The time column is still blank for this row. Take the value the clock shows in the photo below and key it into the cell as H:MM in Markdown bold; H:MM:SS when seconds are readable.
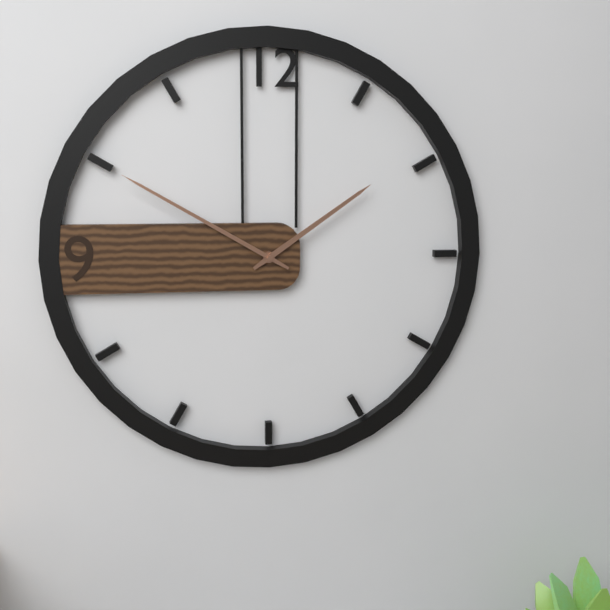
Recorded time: **1:50**
